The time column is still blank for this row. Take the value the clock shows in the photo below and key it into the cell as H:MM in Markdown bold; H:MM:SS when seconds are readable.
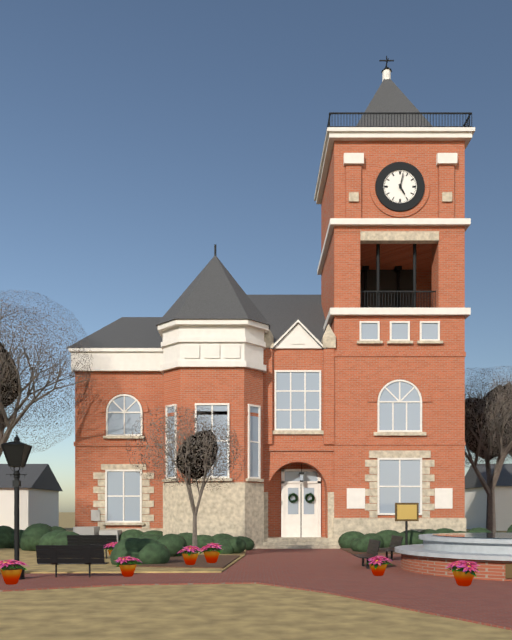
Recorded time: **5:02**
